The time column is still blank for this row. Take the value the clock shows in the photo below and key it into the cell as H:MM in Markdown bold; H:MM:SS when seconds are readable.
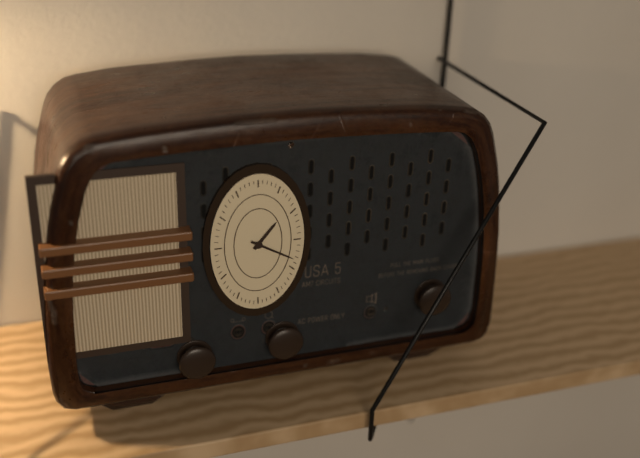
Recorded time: **1:20**
